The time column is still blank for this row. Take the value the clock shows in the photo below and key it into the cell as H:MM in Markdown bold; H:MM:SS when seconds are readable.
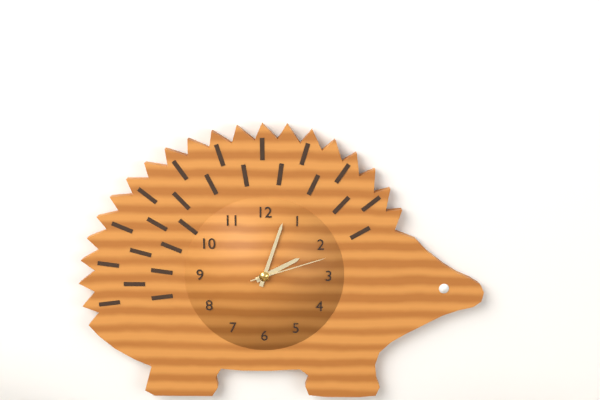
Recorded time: **2:03:12**
